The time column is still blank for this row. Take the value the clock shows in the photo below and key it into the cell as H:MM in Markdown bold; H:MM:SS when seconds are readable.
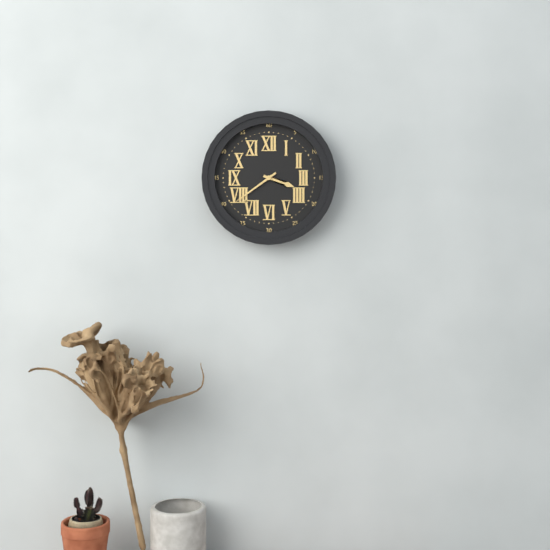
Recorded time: **3:39**
